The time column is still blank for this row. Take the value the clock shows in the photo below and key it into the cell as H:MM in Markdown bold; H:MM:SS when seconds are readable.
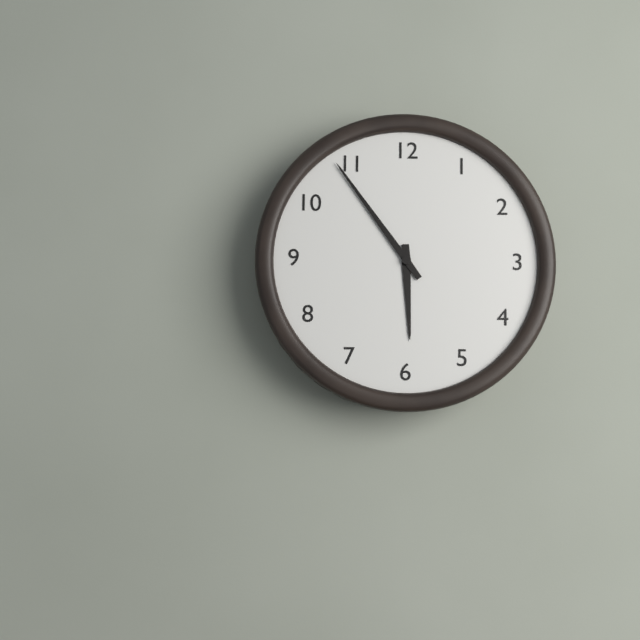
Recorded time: **5:54**
